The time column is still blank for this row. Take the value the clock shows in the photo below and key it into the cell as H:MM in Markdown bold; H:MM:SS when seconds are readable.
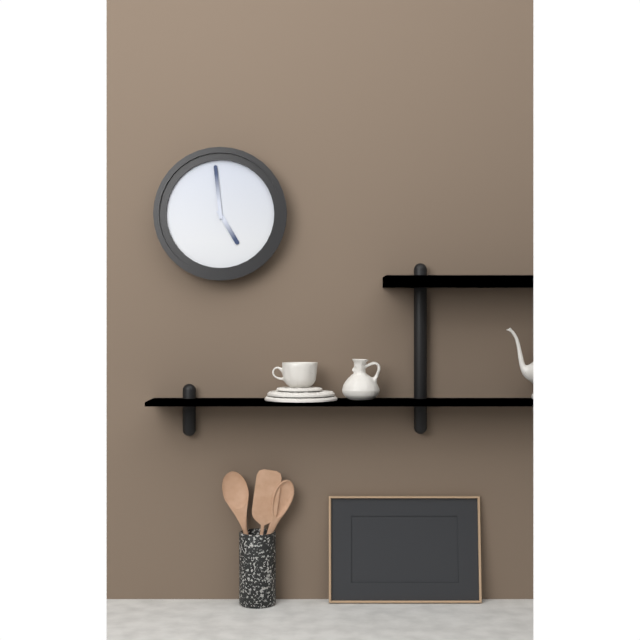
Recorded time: **4:59**
